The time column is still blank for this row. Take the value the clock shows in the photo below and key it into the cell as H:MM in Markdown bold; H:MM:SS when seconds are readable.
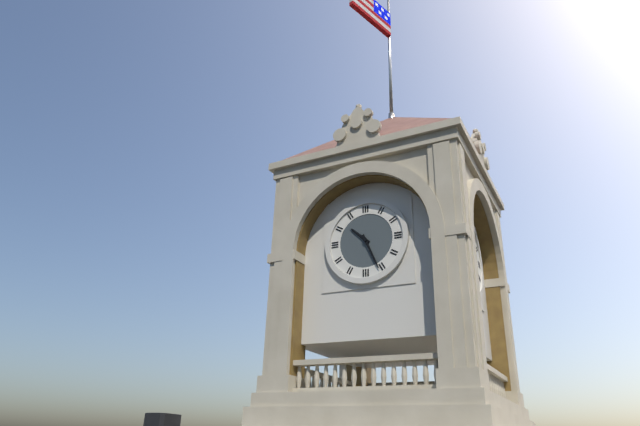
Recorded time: **10:26**
